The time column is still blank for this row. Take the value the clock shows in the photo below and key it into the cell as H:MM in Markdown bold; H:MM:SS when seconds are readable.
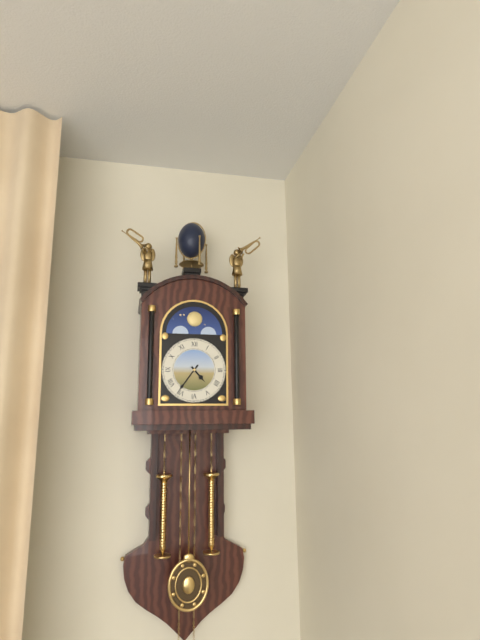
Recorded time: **4:36**
